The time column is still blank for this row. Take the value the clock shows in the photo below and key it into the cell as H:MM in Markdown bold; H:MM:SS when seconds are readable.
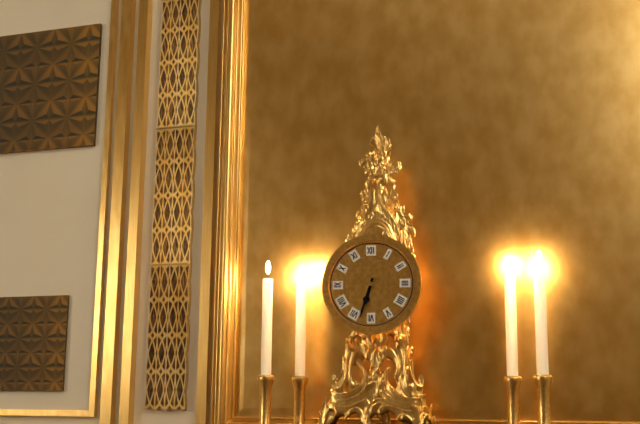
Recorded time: **6:33**
